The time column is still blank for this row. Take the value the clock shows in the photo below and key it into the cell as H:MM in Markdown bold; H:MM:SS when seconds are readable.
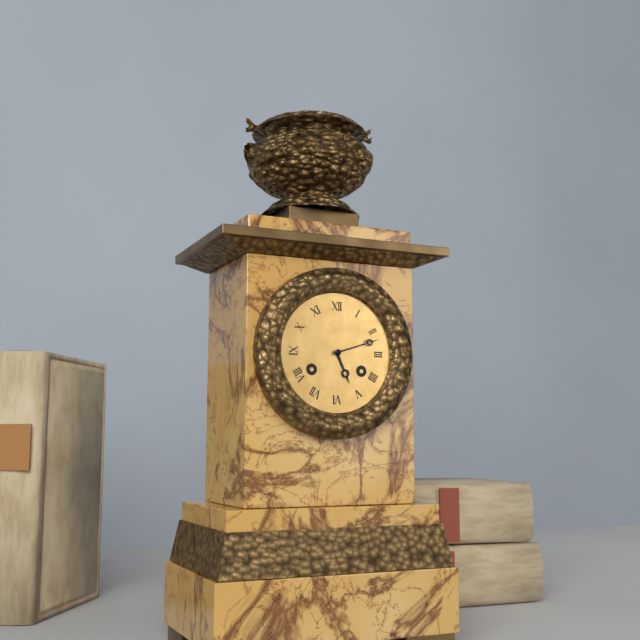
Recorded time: **5:12**
